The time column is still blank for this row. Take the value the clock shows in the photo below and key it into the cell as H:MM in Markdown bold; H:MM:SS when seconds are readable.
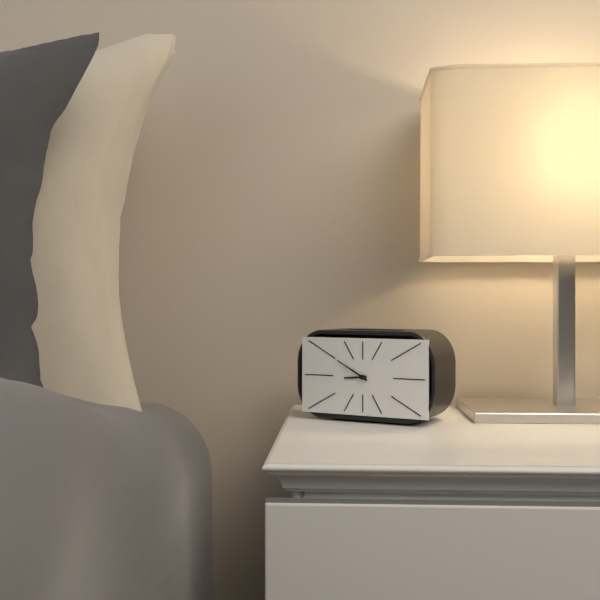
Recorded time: **8:50**
